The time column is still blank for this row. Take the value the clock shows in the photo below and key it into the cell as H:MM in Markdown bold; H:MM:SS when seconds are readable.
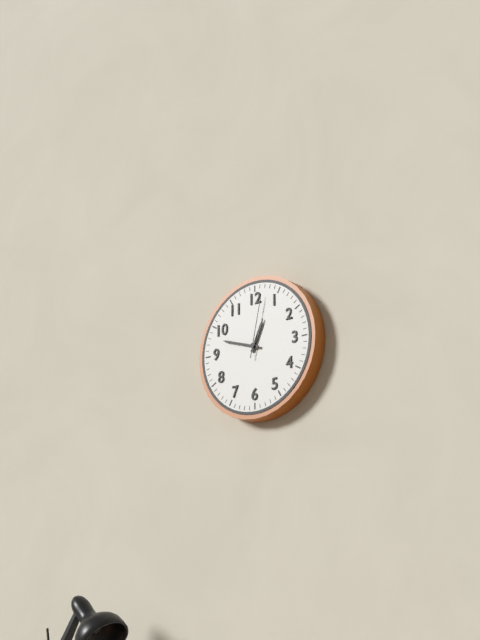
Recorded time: **12:48:02**
